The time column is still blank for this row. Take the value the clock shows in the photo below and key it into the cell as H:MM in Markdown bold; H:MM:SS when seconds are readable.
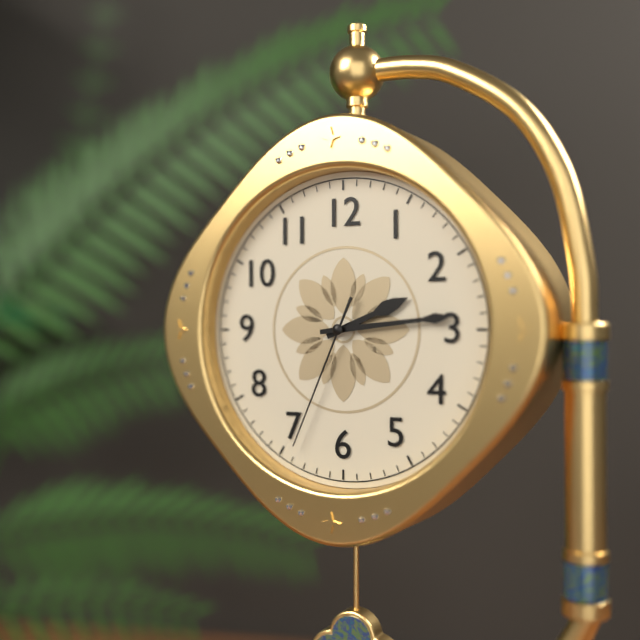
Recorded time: **2:14:34**
